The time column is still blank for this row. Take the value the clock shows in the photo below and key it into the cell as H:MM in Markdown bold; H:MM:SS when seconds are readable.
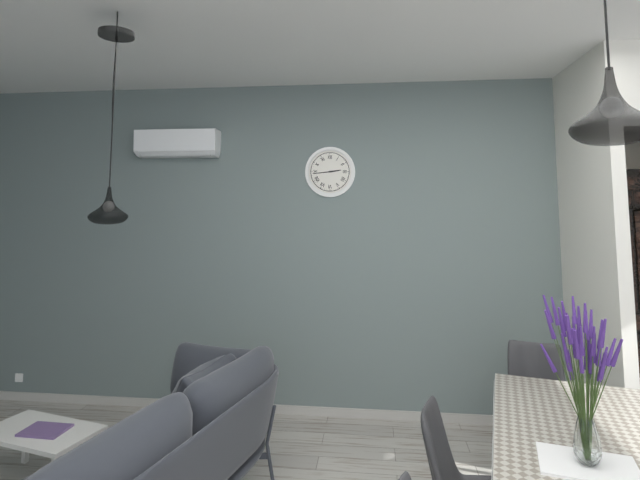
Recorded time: **2:44**
